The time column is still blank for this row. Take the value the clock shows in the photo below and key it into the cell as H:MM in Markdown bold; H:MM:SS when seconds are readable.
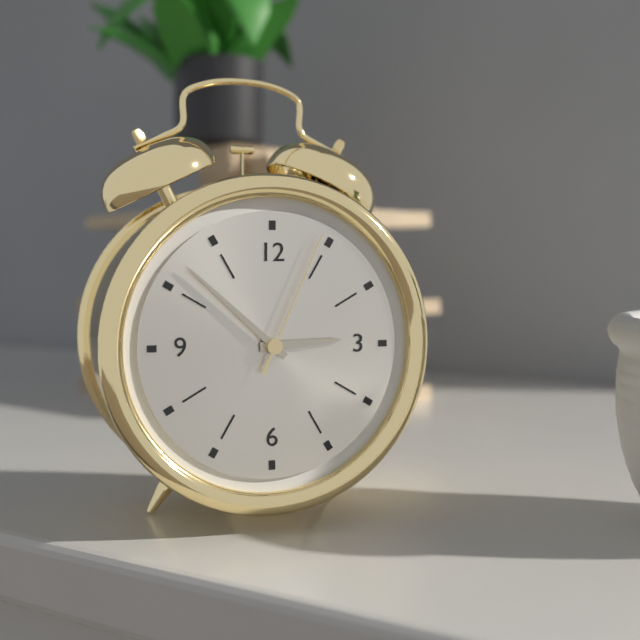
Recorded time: **2:52:04**
